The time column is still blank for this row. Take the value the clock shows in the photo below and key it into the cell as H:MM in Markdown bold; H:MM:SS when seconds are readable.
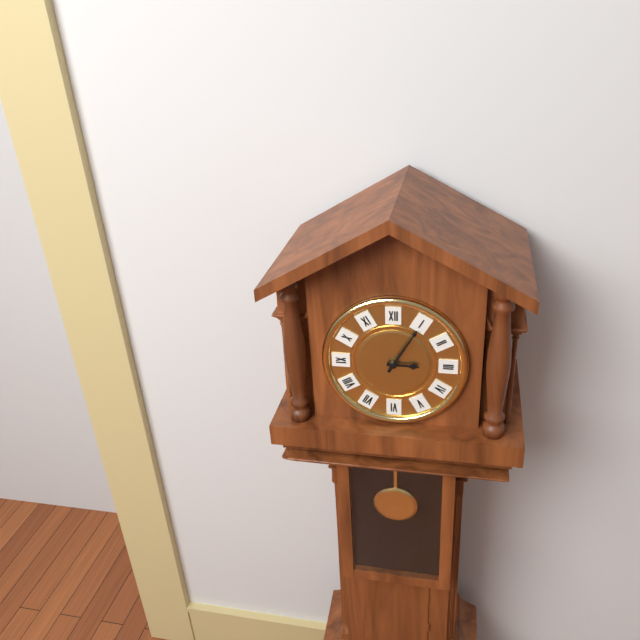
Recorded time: **3:05**
